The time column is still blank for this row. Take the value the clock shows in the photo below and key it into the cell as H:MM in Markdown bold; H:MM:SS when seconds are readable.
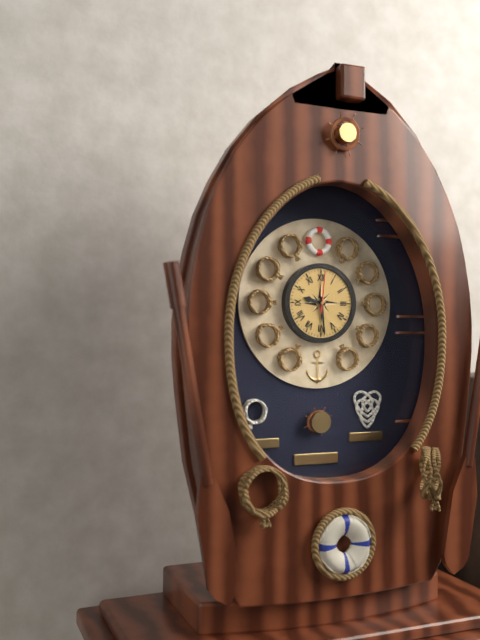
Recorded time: **9:29**
